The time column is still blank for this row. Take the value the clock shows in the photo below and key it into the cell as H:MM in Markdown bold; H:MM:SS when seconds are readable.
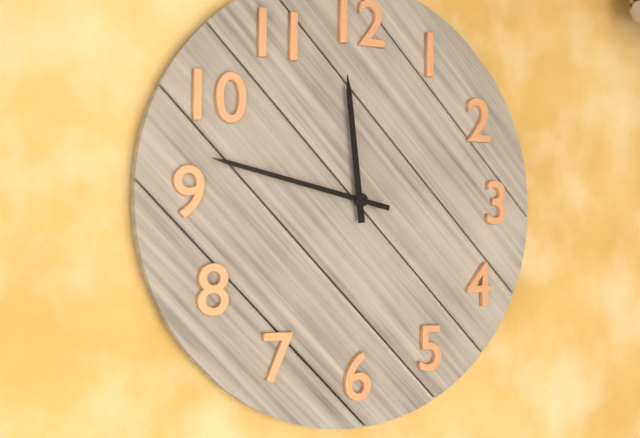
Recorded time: **11:47**
